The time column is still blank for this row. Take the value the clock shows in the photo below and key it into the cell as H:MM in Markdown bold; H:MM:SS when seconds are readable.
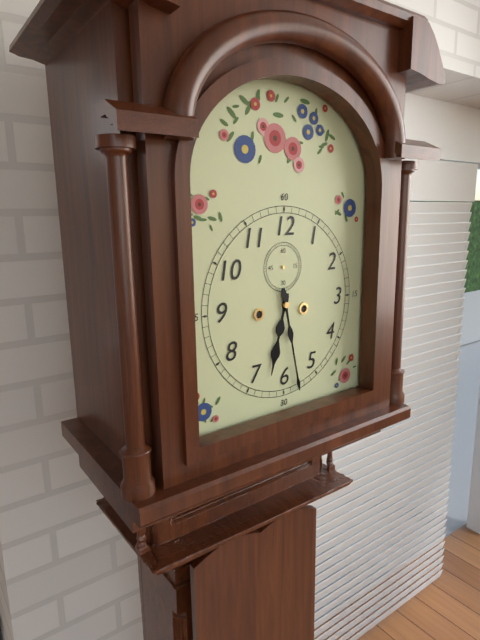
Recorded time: **6:28**
